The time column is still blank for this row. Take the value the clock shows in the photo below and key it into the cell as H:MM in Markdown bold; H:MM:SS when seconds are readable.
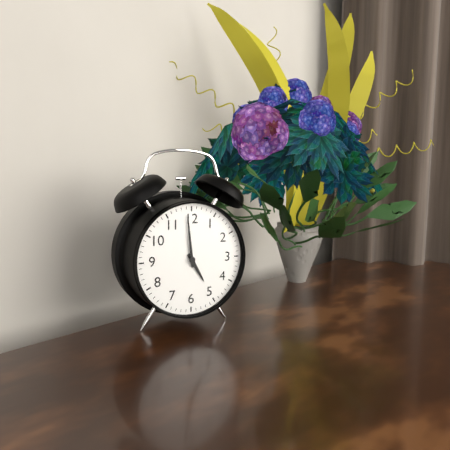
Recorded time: **4:59**
